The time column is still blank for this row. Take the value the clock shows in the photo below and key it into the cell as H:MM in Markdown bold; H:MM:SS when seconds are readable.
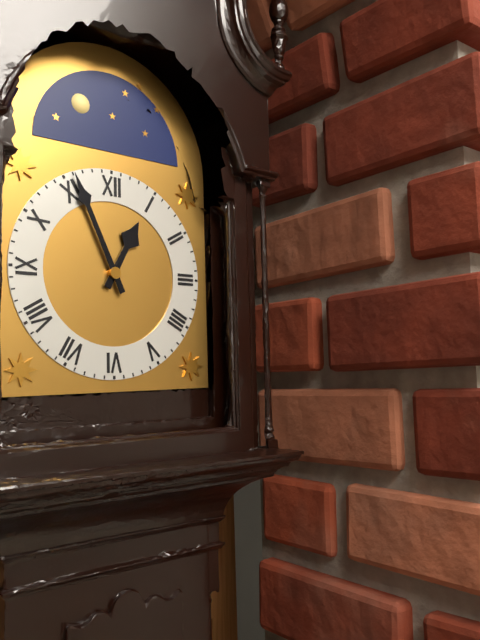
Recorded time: **12:56**
